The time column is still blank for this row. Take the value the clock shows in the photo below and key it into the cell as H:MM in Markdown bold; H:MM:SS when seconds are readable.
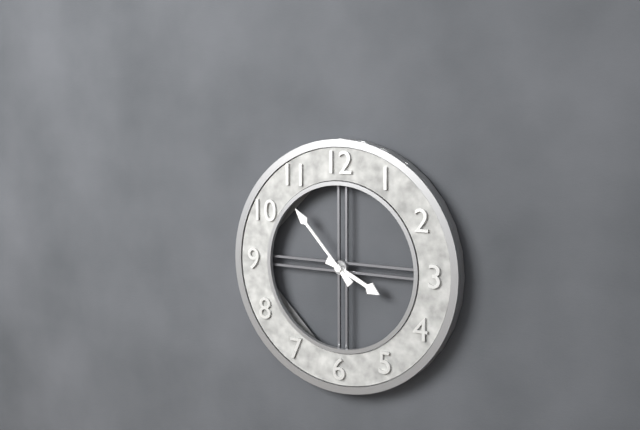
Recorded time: **3:53**
